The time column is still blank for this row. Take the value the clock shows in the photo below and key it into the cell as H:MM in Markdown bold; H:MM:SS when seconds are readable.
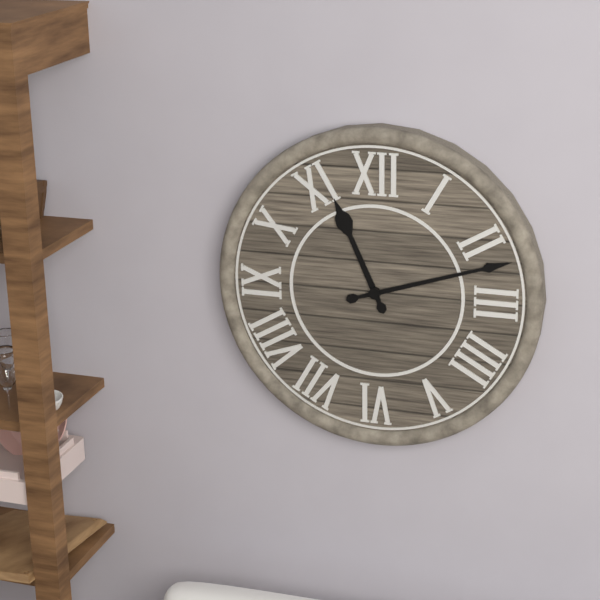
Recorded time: **11:12**
